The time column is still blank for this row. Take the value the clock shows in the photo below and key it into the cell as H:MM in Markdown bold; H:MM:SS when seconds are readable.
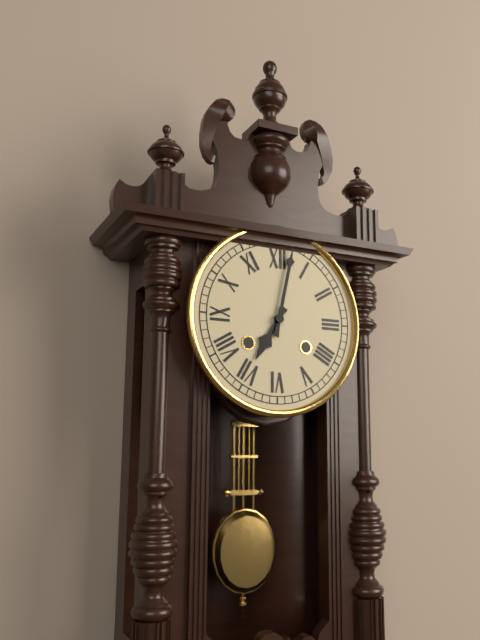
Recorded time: **7:02**
